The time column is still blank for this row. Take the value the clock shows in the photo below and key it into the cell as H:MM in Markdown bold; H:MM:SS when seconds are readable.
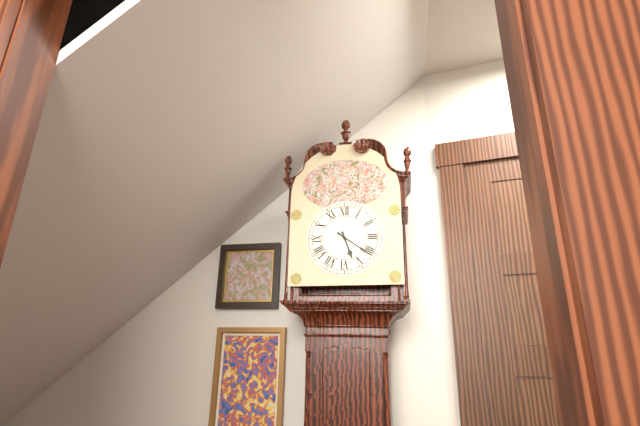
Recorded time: **5:21**
